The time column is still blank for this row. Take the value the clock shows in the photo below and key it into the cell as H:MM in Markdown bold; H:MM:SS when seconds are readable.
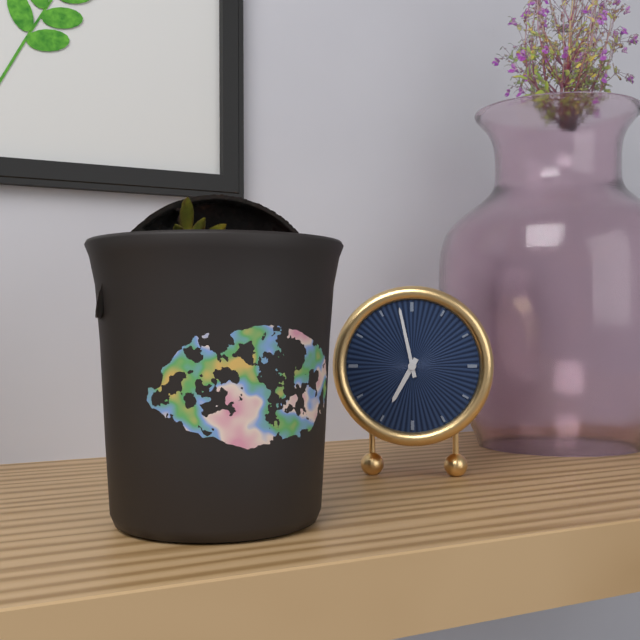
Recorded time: **6:58**
